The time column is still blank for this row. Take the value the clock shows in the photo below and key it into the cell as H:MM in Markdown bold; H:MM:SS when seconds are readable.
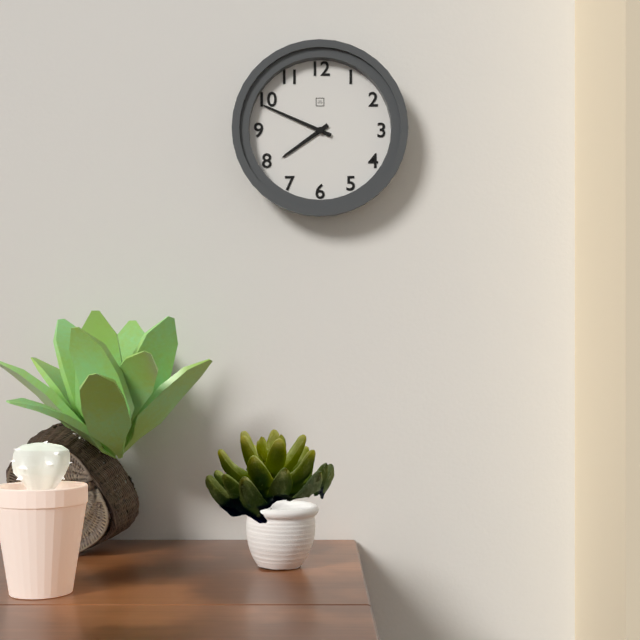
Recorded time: **7:49**
